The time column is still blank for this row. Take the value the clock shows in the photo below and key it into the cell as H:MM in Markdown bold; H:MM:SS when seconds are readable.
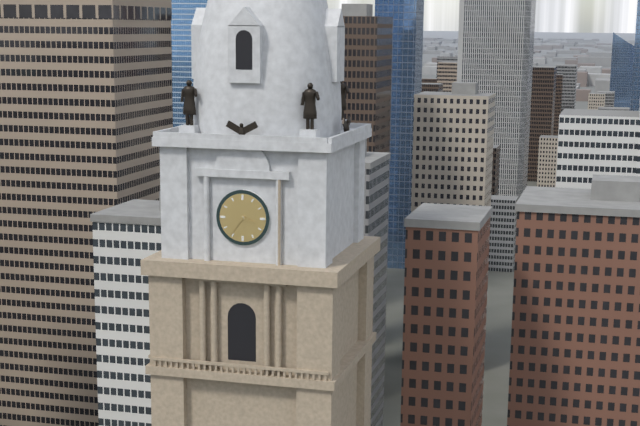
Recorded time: **3:36**
